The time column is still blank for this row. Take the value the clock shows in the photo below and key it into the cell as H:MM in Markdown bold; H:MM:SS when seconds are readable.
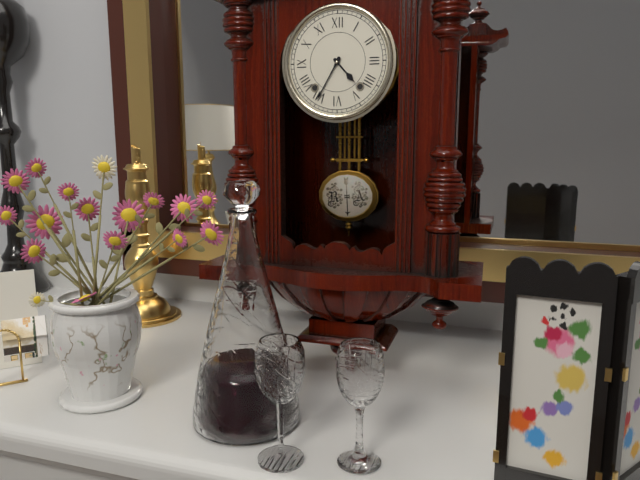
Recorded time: **4:35**
